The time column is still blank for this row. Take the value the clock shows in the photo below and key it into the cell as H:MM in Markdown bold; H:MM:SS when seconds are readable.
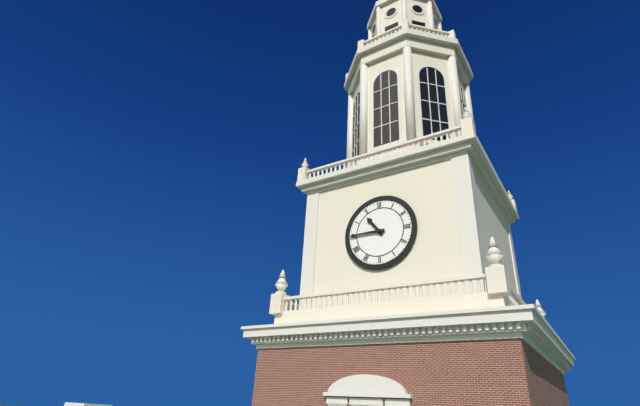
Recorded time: **10:45**
